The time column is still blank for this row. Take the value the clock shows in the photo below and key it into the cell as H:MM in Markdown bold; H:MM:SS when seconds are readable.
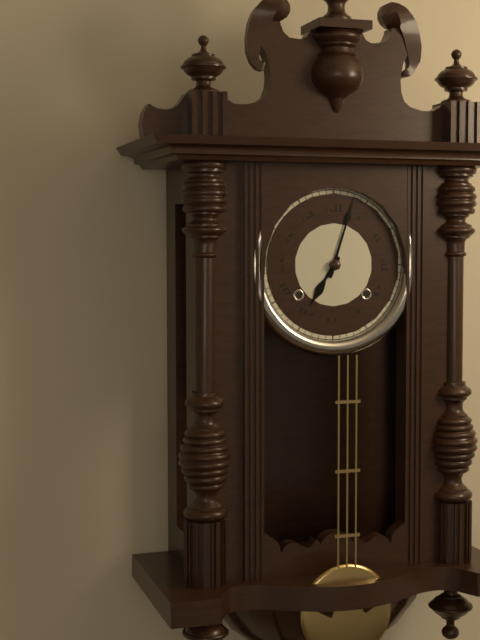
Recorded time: **7:03**
